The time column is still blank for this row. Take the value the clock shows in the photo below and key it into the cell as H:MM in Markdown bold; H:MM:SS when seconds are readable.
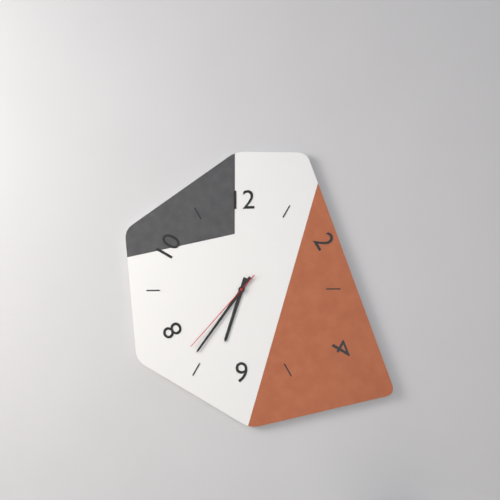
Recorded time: **6:36:37**
